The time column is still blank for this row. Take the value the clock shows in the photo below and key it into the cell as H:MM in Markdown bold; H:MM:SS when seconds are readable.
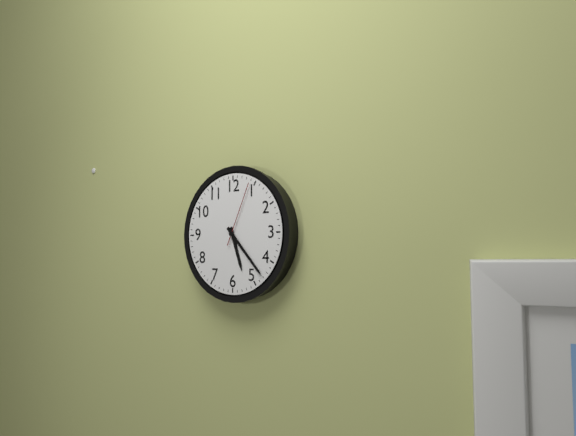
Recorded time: **5:23:04**
